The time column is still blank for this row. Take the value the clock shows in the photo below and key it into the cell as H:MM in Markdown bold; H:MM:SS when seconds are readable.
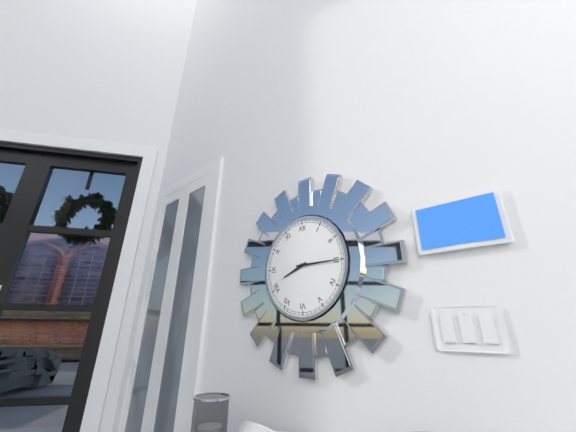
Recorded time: **8:15**
